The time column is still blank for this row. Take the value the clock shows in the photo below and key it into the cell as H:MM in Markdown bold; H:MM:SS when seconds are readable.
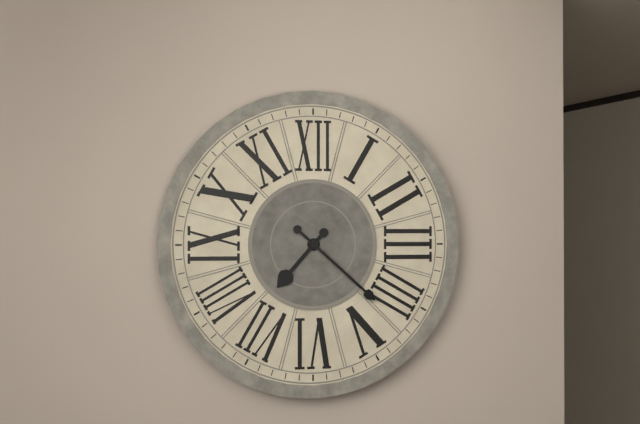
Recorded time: **7:22**
